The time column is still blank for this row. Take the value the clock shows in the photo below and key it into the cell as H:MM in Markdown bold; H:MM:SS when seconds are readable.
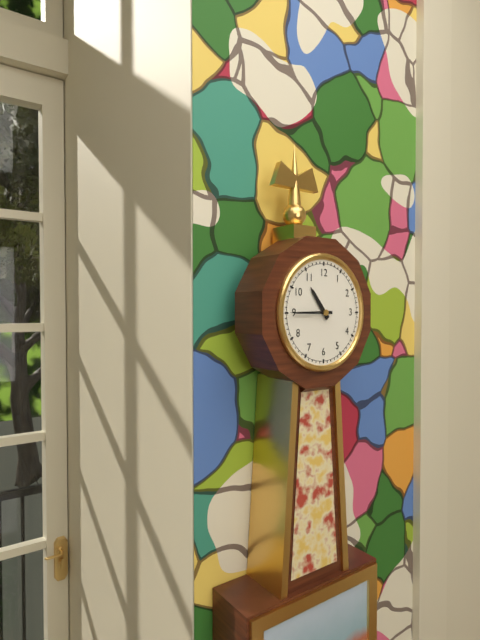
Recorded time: **10:45**
